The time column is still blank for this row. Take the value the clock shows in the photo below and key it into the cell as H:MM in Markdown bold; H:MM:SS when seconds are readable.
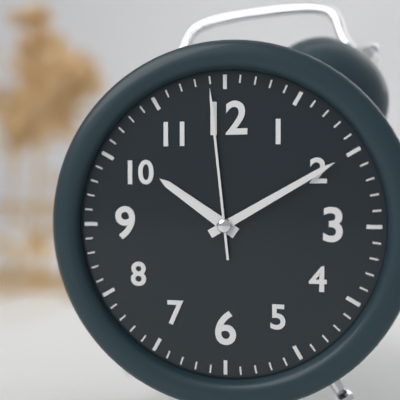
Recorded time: **10:10:59**
